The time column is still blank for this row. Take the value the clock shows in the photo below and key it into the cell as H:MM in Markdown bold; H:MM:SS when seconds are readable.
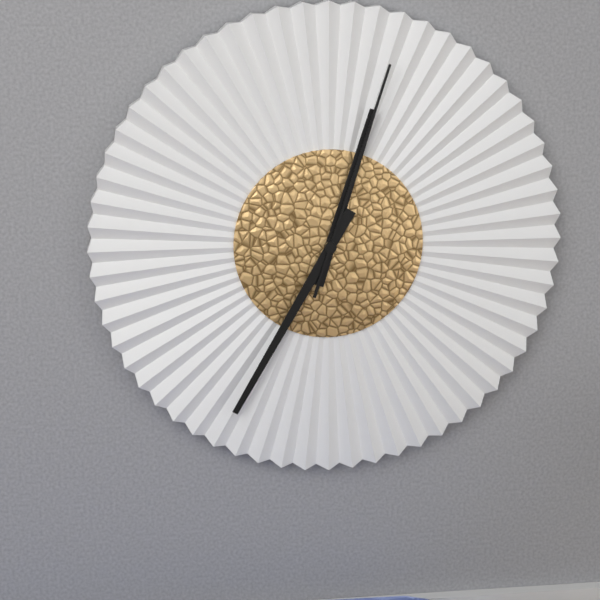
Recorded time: **12:35:03**
